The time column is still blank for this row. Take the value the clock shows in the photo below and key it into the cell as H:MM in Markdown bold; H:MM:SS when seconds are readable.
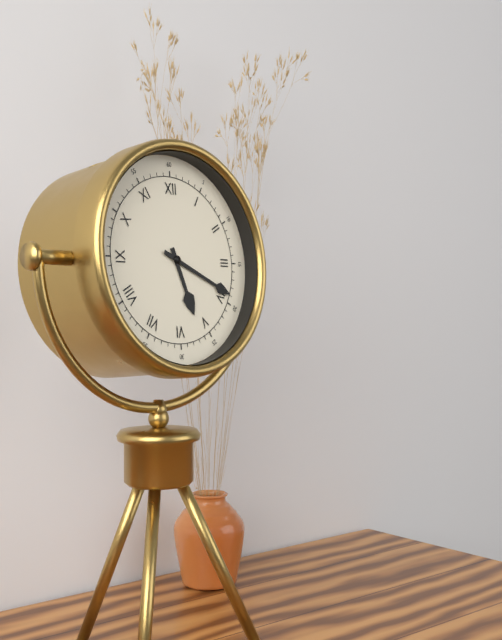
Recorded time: **5:19**
